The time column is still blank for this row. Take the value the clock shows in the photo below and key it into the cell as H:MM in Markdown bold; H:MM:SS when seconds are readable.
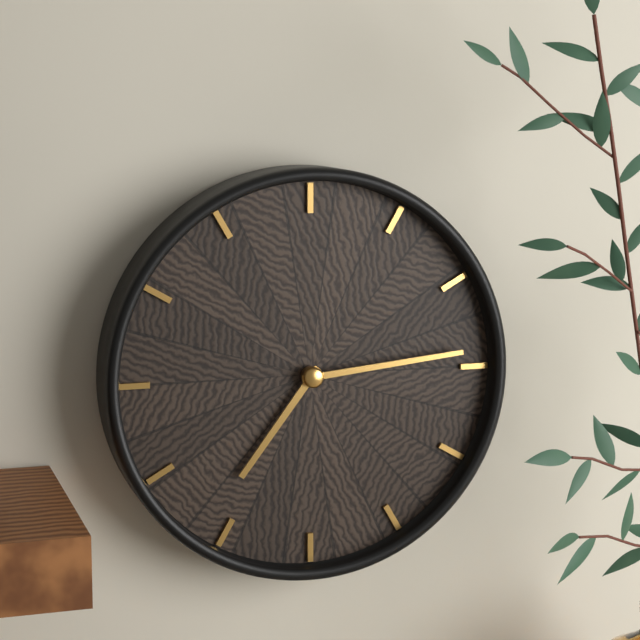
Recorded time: **7:14**
